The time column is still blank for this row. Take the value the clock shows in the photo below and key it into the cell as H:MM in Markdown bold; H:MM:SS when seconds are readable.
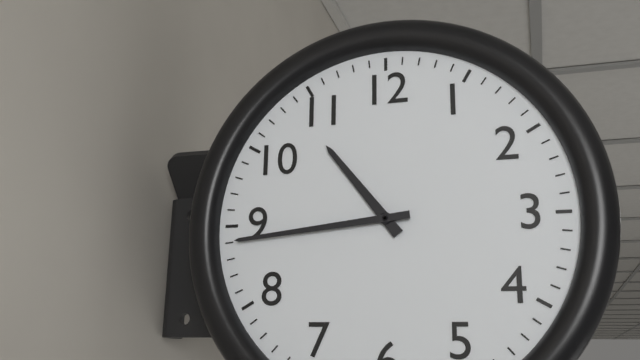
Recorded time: **10:44**
